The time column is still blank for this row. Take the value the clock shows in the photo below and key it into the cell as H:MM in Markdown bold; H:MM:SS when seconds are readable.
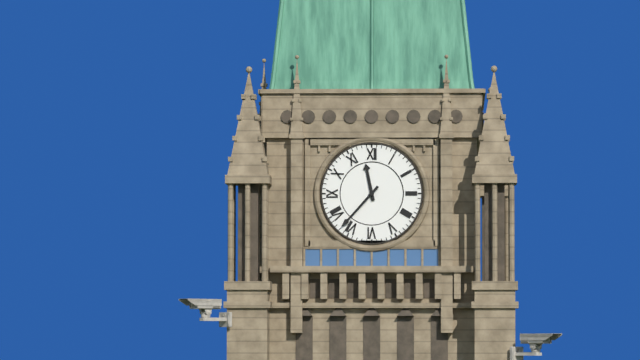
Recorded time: **11:37**
